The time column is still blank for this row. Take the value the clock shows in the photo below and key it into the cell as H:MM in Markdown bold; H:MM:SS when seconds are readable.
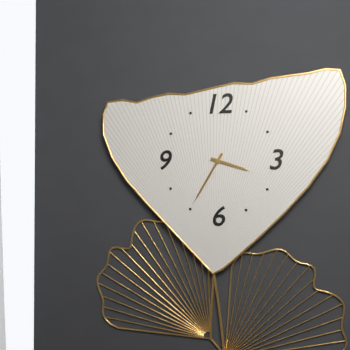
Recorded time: **3:35**
